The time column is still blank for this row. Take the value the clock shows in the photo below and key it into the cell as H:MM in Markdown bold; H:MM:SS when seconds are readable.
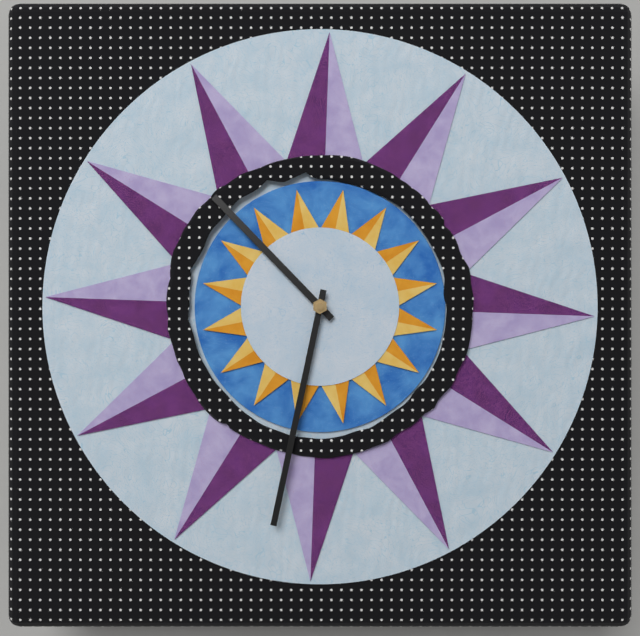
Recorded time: **10:32**
